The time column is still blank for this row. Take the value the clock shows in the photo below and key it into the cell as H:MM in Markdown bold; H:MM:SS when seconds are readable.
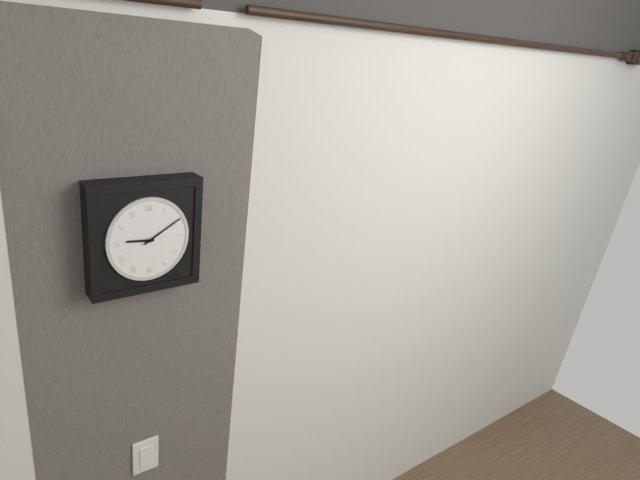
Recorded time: **9:10**
